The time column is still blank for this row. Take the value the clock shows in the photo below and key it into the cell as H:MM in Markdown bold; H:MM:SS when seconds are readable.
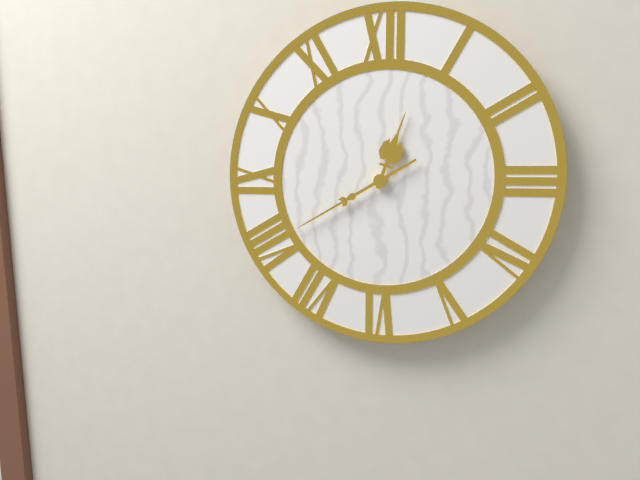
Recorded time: **12:40**
